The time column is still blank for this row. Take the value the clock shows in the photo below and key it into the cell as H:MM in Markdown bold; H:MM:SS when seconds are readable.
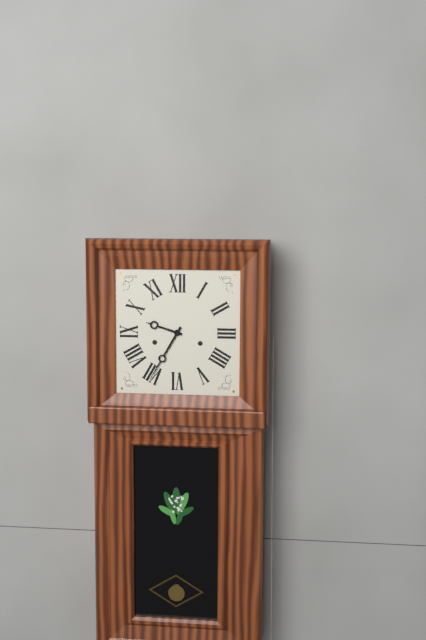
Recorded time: **9:35**
